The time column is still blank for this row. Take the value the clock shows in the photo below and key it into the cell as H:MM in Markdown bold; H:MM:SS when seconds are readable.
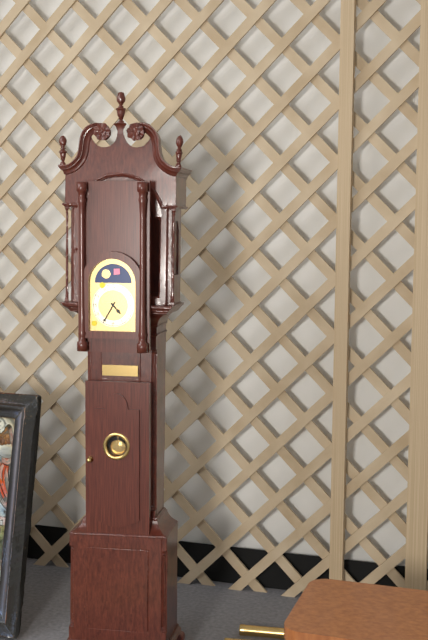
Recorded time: **4:35**
